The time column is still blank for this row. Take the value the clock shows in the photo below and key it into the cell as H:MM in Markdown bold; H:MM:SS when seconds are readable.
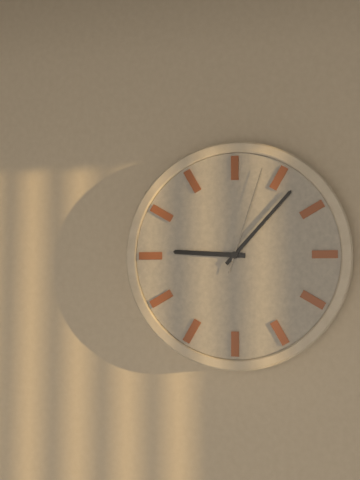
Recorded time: **9:07:03**
